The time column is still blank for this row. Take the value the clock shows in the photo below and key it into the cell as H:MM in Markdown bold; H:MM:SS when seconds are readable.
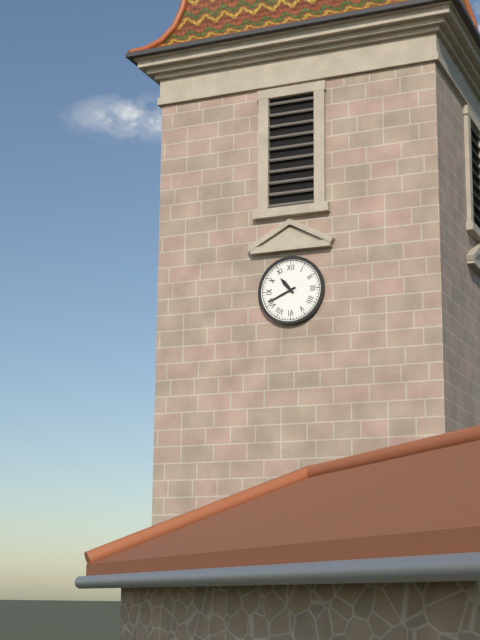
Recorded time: **10:41**
